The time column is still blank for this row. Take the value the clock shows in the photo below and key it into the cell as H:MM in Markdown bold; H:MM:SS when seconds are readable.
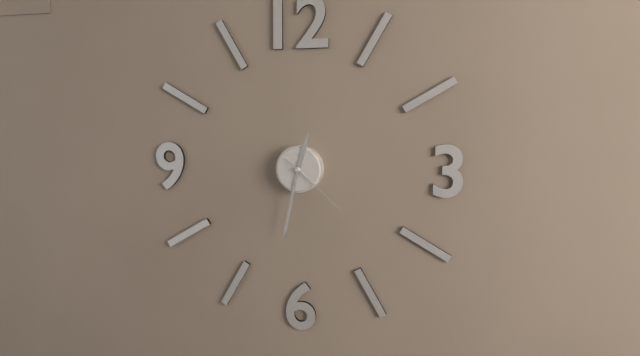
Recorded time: **12:32:22**
